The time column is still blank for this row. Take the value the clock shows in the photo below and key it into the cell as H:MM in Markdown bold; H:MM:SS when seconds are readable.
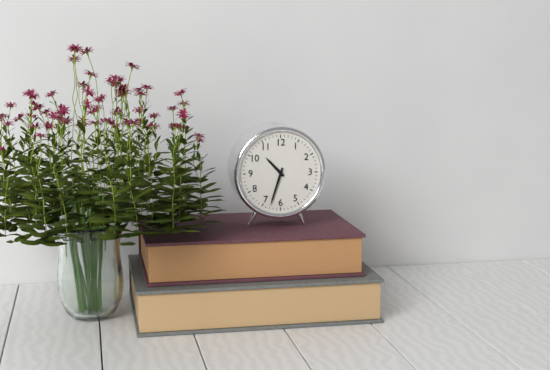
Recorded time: **10:33**
